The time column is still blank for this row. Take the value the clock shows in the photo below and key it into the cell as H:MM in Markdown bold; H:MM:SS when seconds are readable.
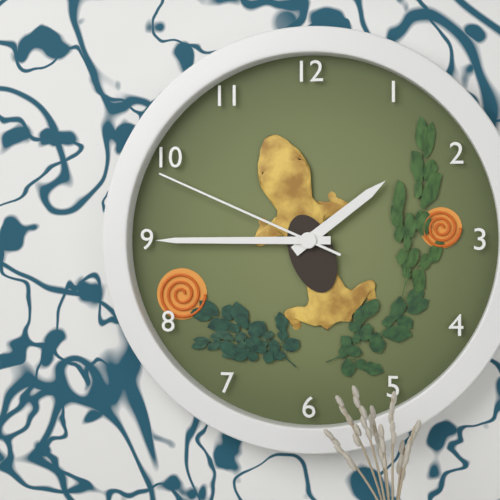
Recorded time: **1:45:49**
